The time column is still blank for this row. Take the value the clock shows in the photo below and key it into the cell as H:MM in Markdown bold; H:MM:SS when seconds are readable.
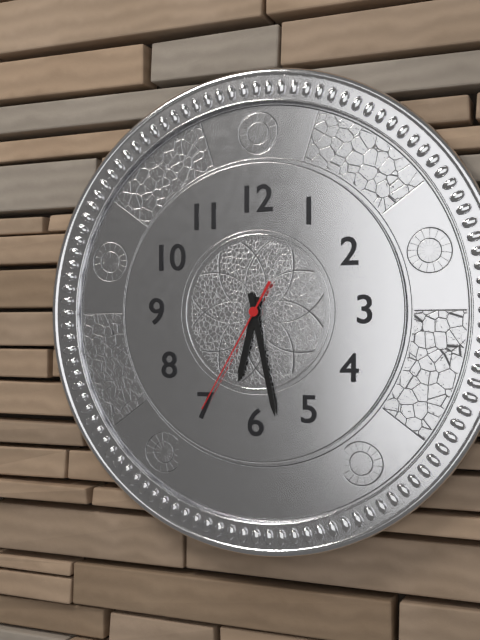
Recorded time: **6:28:35**
